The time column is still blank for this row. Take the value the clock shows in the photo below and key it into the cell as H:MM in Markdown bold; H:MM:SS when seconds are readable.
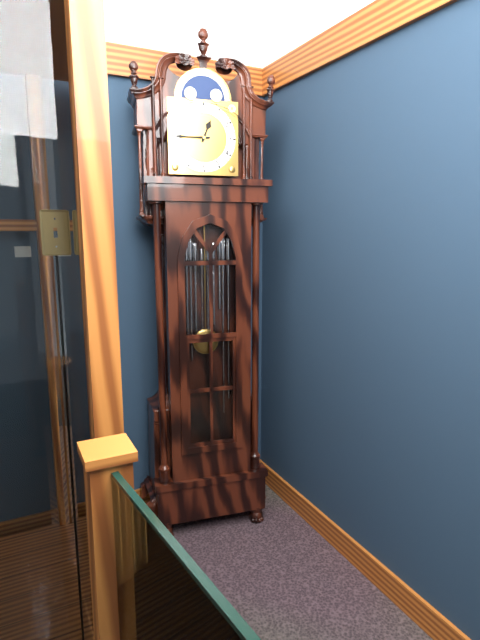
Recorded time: **12:45**
